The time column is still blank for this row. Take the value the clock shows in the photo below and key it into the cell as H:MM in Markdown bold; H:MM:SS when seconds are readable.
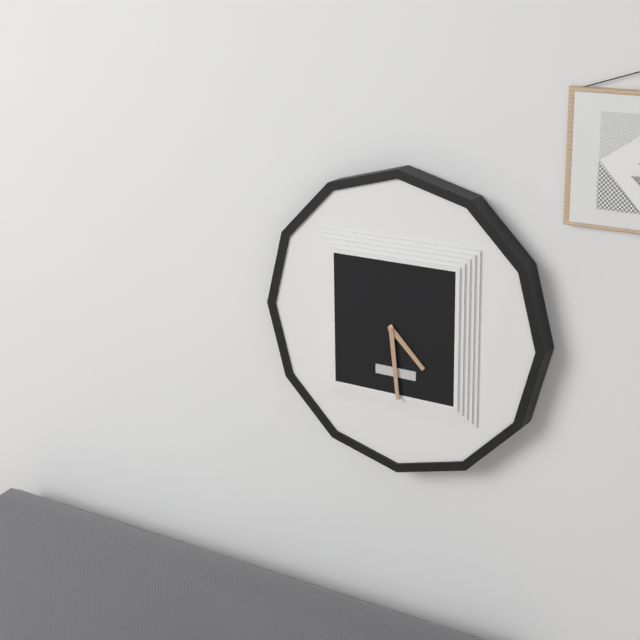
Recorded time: **4:29**
